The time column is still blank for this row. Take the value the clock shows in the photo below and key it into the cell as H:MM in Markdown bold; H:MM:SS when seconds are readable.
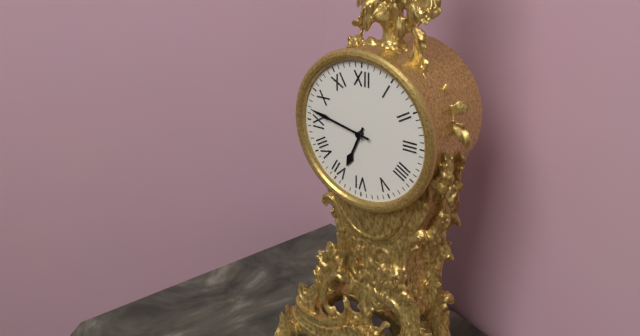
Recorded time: **6:47**
